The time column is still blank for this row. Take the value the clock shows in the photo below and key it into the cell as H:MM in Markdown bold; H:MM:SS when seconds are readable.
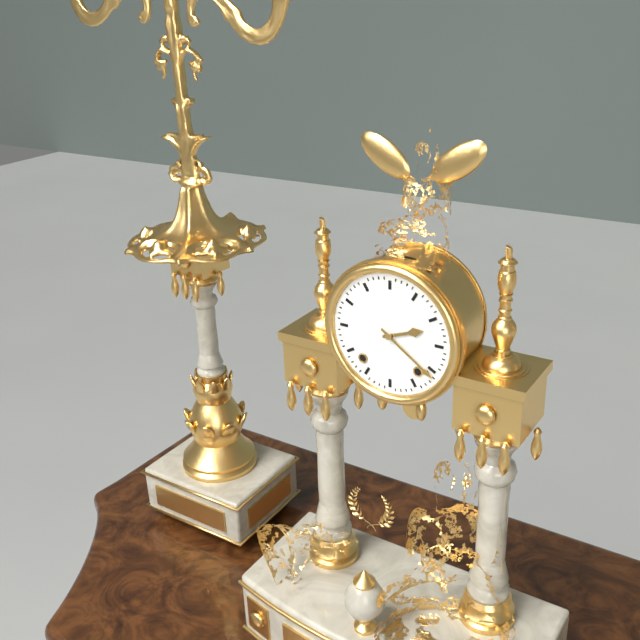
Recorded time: **2:21**
